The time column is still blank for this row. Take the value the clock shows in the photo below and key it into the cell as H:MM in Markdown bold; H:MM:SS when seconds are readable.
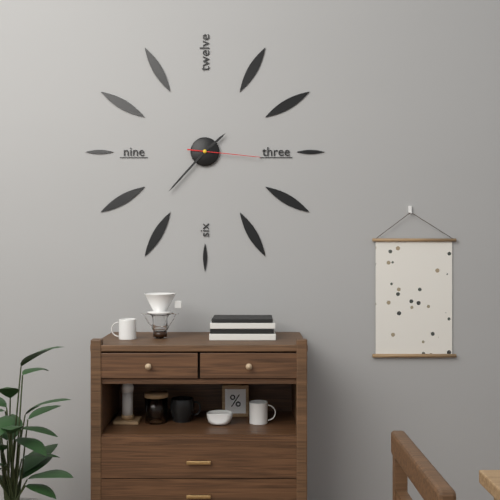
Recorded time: **1:37:16**
